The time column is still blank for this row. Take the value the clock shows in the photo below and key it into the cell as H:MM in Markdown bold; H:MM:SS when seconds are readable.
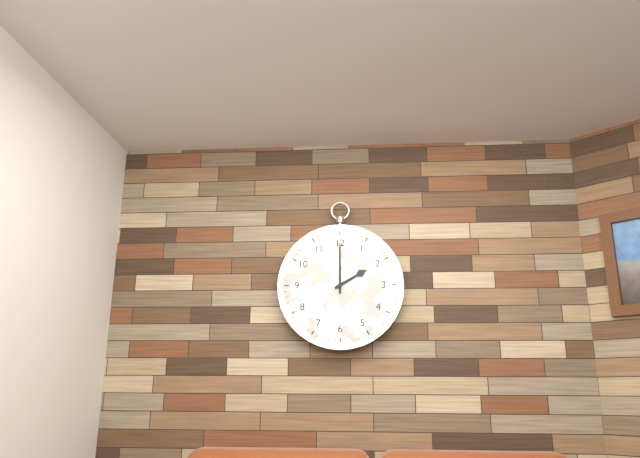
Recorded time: **2:00**
